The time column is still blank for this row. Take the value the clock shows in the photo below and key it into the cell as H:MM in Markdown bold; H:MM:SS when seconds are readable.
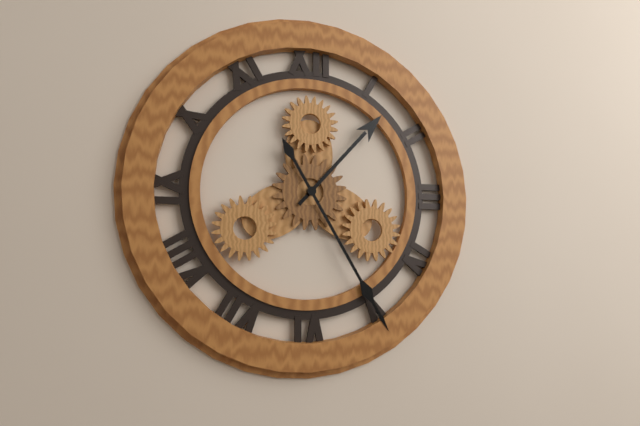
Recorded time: **1:25**
